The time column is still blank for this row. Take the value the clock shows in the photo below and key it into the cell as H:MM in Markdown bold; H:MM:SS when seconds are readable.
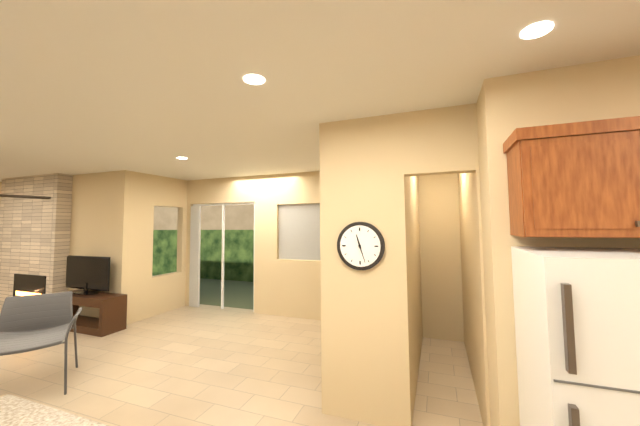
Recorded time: **11:27**
